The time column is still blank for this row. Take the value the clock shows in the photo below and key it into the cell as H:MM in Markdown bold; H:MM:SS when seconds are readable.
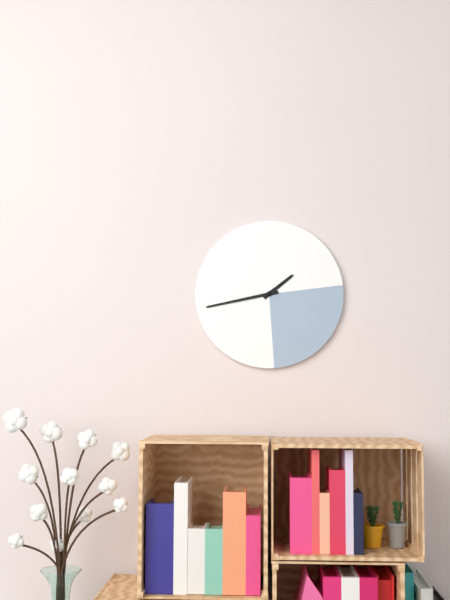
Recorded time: **1:43**
